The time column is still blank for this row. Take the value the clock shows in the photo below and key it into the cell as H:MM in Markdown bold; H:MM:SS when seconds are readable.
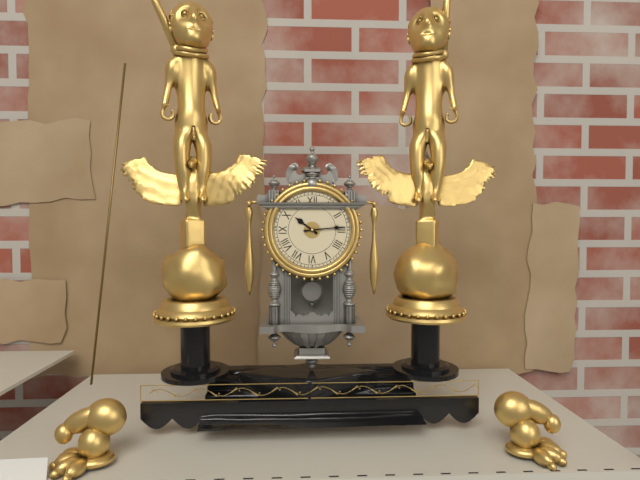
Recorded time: **10:14**
